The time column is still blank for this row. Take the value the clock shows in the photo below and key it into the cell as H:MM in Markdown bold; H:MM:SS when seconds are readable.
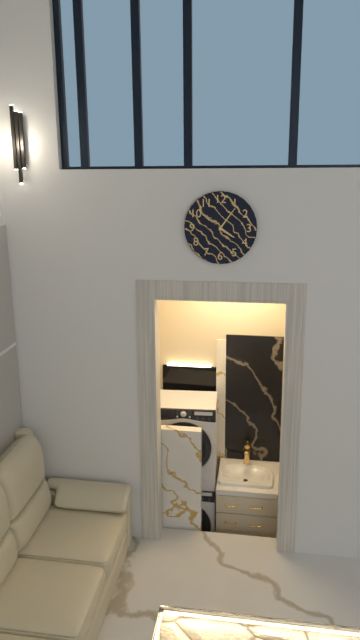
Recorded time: **4:06**
